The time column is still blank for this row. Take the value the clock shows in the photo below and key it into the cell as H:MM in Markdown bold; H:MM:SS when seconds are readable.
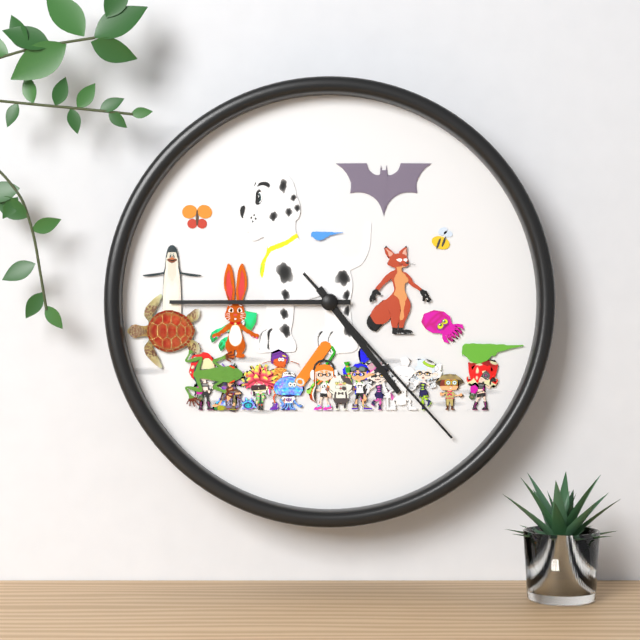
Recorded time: **4:45:23**
